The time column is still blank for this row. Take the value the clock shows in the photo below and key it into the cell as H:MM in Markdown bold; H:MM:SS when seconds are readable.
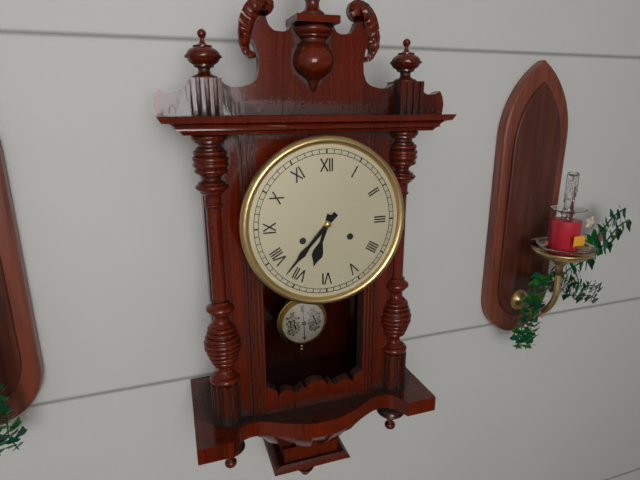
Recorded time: **6:37**
